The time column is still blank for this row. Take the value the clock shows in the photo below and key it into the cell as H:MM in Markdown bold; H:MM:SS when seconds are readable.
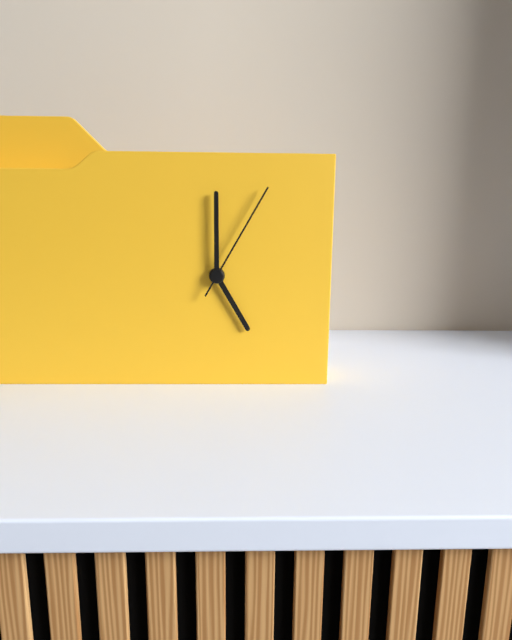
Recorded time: **5:00:05**
